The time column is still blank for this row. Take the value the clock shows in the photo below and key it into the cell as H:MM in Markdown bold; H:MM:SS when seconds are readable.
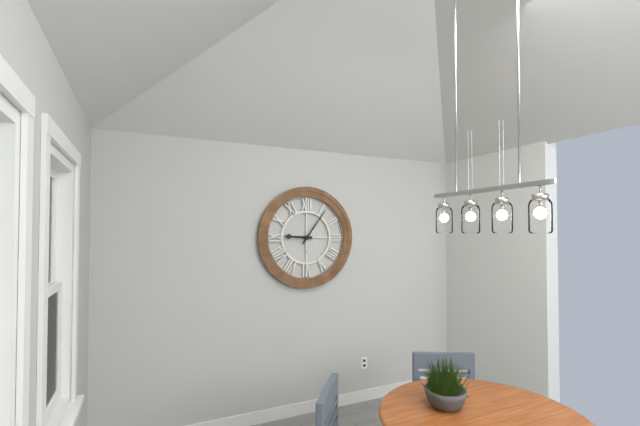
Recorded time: **9:06**
